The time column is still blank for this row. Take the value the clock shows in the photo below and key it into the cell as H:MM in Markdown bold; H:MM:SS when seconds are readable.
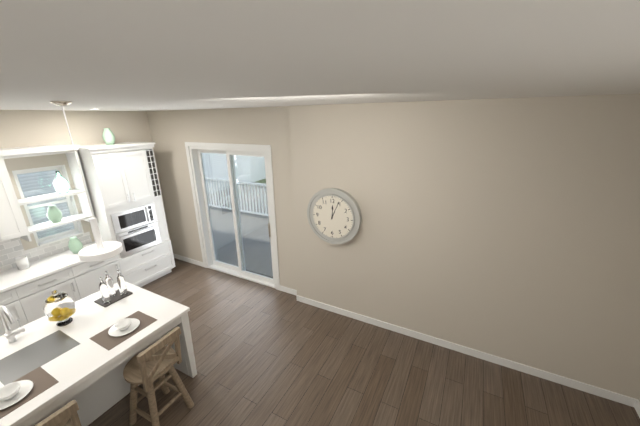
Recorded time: **12:04**
